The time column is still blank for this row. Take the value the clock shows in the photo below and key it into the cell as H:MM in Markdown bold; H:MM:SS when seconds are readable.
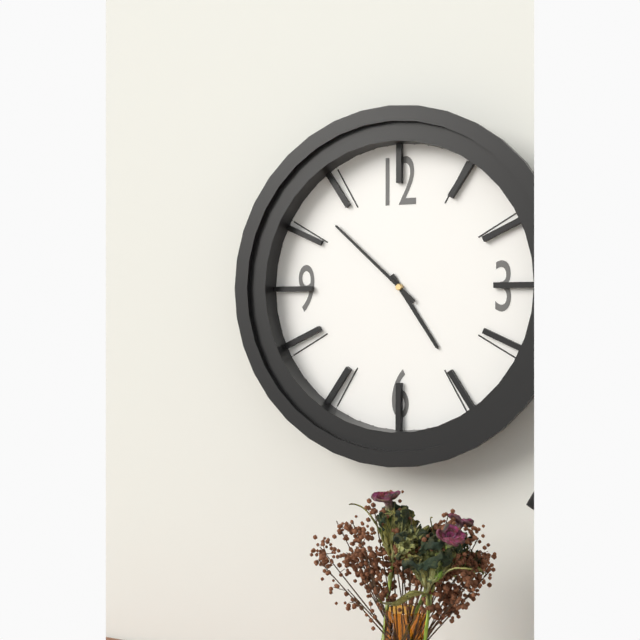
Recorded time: **4:52**
